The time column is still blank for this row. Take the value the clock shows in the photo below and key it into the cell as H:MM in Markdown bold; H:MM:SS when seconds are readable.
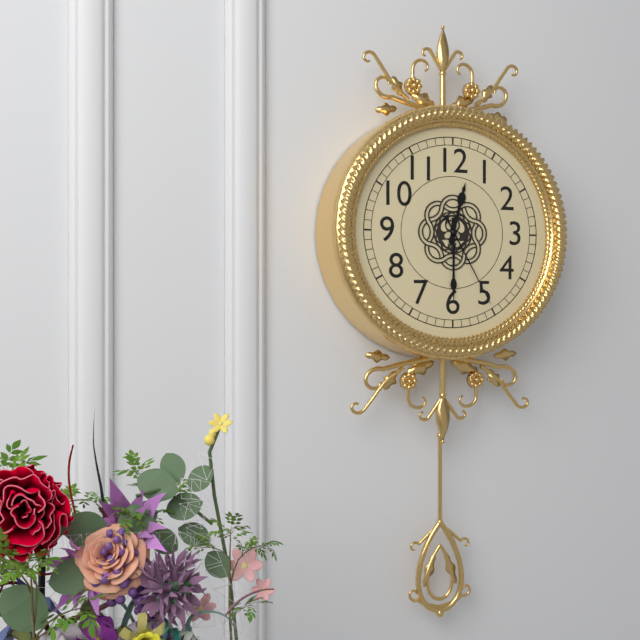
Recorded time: **12:30:25**
